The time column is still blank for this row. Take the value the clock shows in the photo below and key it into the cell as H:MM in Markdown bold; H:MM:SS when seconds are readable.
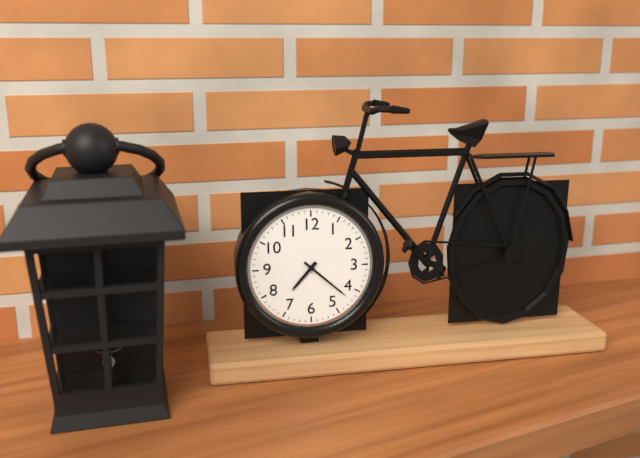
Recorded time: **7:22**
